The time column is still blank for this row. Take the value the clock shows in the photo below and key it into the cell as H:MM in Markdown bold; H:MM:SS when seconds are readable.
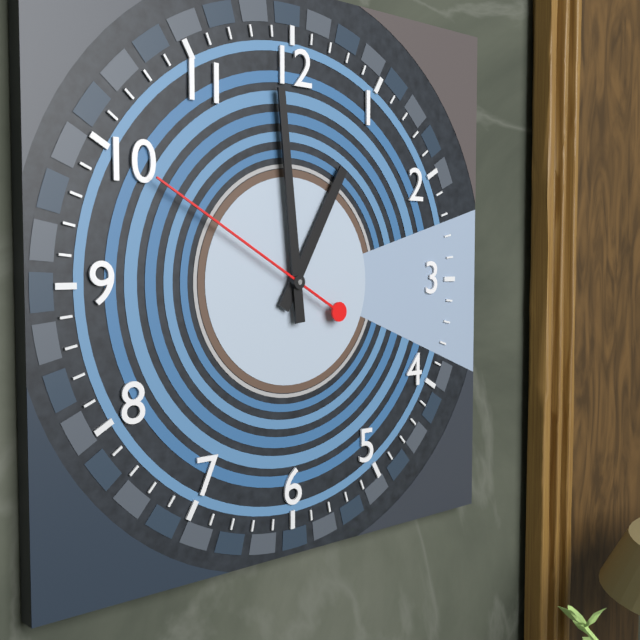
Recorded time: **12:59:50**
